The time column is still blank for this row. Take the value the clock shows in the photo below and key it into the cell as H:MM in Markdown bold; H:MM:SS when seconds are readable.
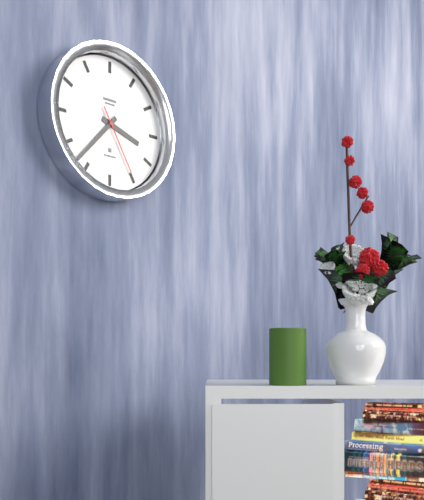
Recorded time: **3:37:25**
